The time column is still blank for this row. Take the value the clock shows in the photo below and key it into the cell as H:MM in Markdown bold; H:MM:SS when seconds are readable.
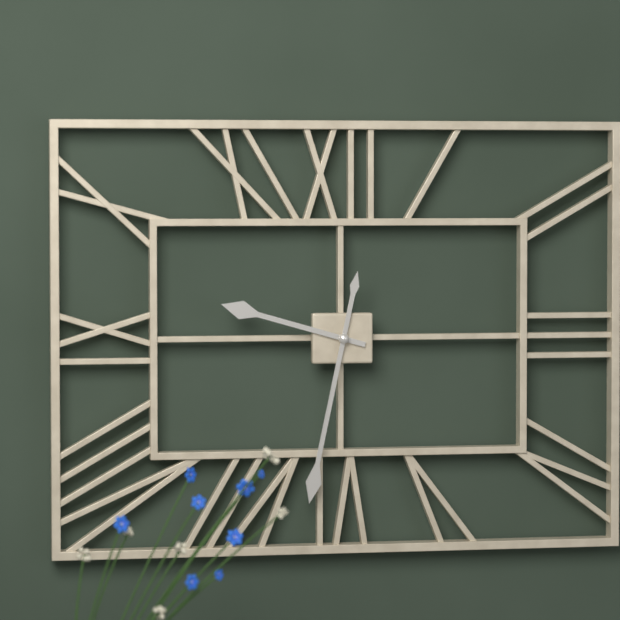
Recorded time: **9:32**
